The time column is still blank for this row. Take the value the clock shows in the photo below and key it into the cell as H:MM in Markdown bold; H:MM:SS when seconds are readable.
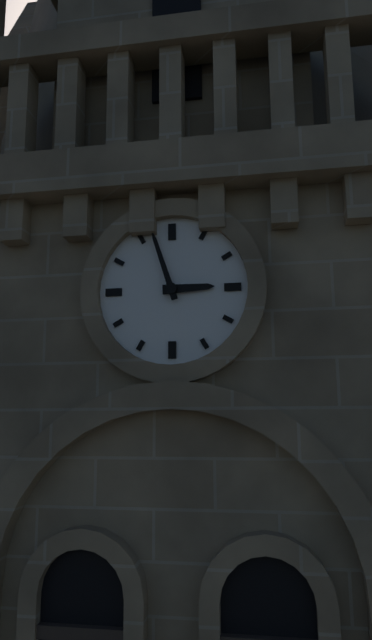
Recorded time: **2:57**
